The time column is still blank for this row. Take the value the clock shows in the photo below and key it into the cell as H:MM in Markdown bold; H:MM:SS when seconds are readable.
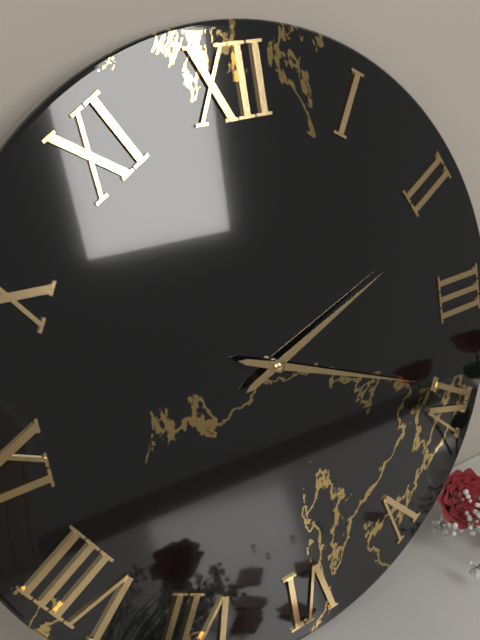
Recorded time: **2:19**
